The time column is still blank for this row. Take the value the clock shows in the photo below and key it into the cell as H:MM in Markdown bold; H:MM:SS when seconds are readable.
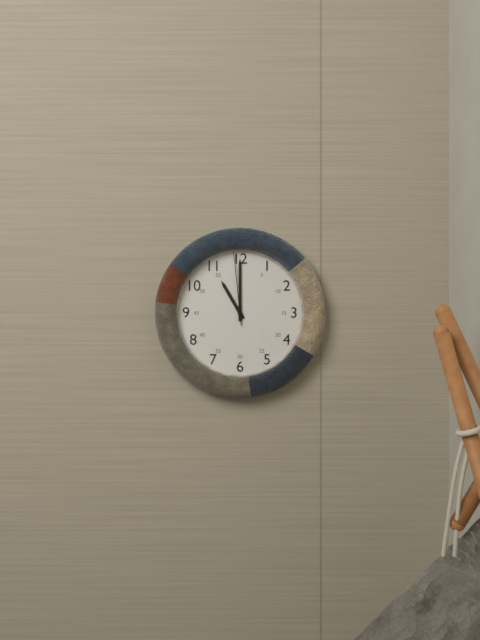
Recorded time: **11:00:59**
